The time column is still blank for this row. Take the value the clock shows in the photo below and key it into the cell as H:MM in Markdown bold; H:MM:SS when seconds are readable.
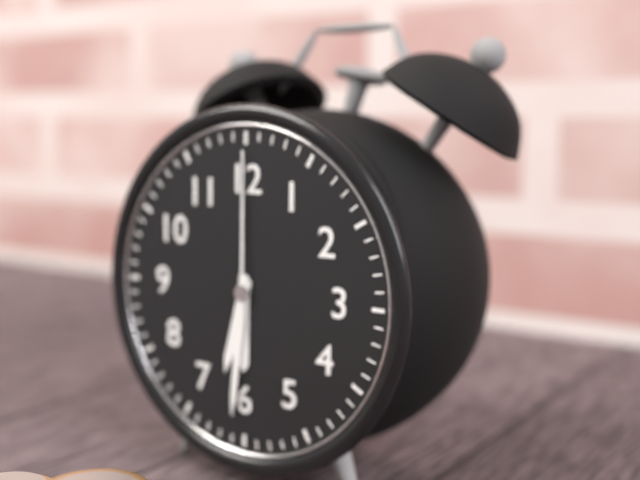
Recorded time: **6:31:00**
